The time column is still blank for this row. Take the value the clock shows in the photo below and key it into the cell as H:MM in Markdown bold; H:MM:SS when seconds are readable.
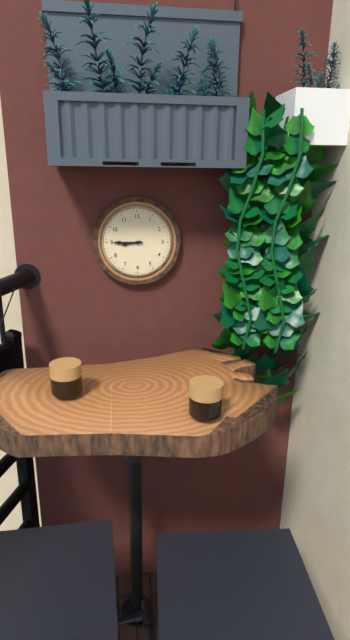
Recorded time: **8:45**
